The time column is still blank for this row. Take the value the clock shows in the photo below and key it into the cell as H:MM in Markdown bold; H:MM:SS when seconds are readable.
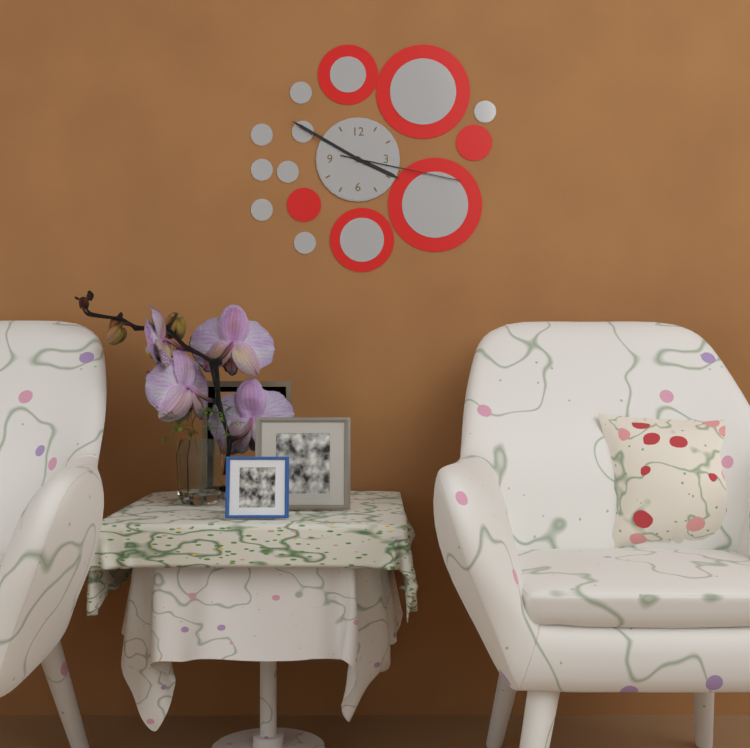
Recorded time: **3:50:17**
